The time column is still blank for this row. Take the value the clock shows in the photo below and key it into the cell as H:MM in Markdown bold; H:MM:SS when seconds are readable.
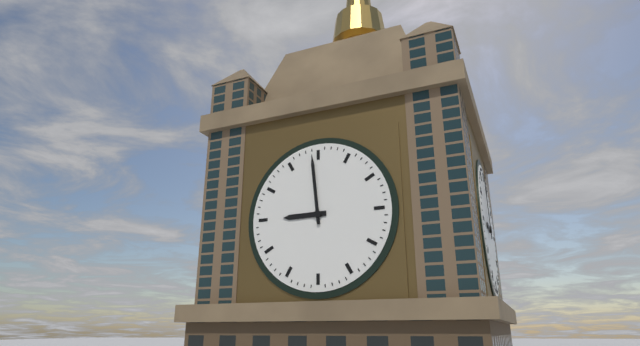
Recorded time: **8:59**
